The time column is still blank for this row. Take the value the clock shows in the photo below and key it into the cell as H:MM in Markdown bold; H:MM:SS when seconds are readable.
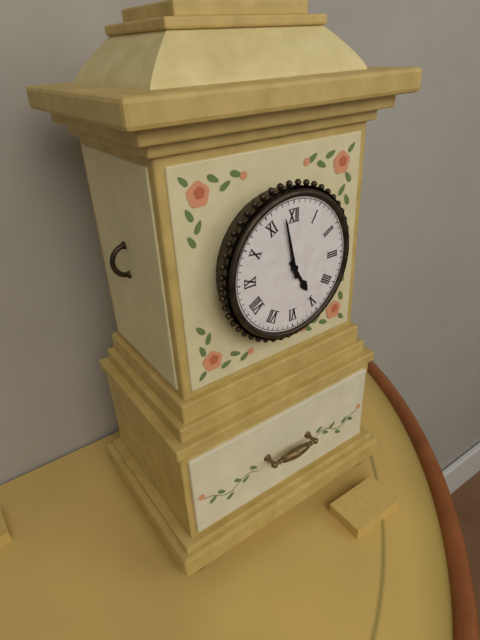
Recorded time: **4:58**
